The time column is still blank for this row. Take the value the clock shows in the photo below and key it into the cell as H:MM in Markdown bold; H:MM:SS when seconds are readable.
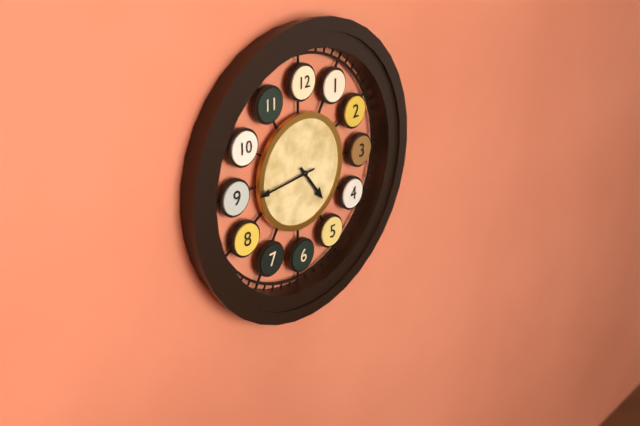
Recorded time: **4:44**
